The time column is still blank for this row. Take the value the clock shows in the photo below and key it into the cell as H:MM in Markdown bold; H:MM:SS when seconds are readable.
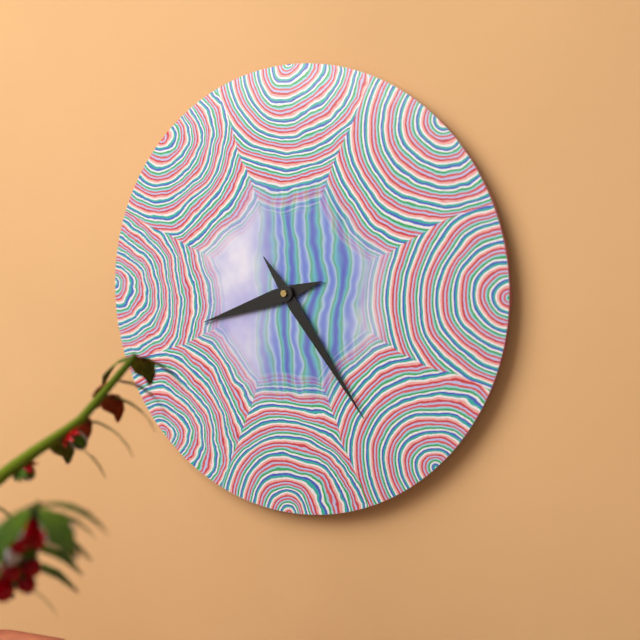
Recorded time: **8:24**
